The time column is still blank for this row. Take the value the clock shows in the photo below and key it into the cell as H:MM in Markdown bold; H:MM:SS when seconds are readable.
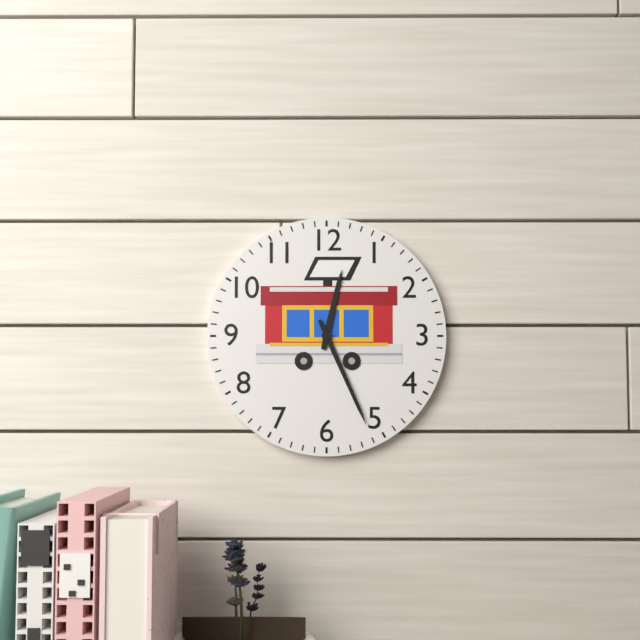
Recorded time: **12:26**
